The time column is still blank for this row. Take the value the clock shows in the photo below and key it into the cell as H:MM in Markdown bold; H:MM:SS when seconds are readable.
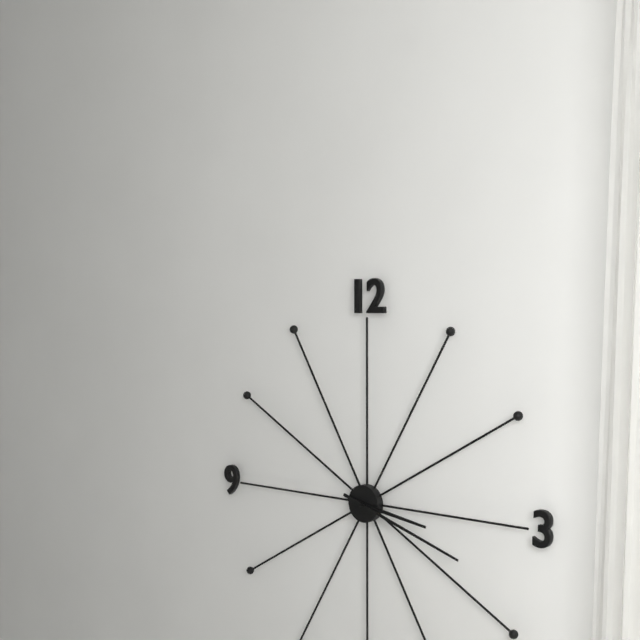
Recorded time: **3:18**
